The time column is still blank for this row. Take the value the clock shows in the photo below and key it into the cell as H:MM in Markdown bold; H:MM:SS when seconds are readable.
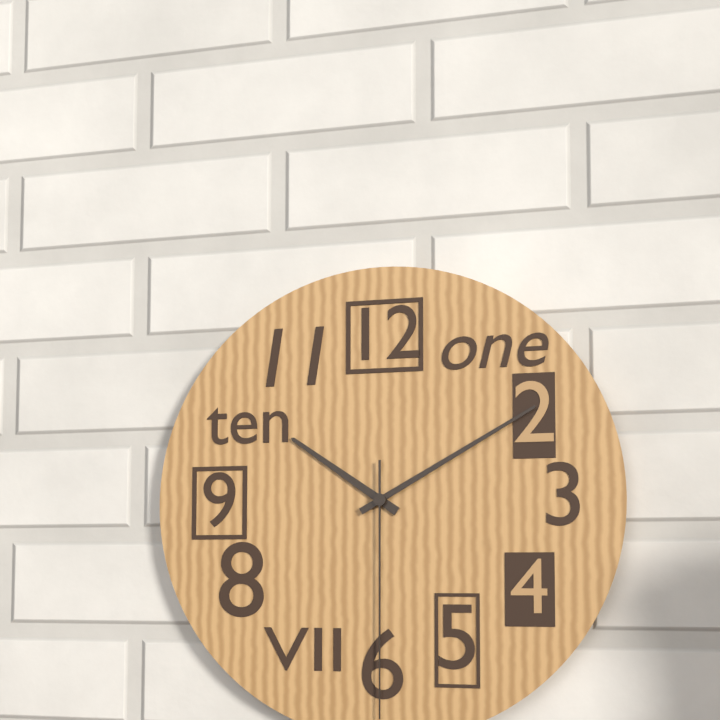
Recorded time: **10:10:30**
